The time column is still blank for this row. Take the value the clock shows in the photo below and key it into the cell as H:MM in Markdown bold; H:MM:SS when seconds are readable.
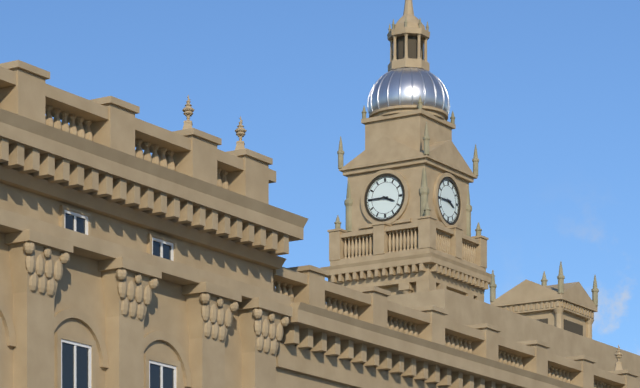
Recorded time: **3:45**
